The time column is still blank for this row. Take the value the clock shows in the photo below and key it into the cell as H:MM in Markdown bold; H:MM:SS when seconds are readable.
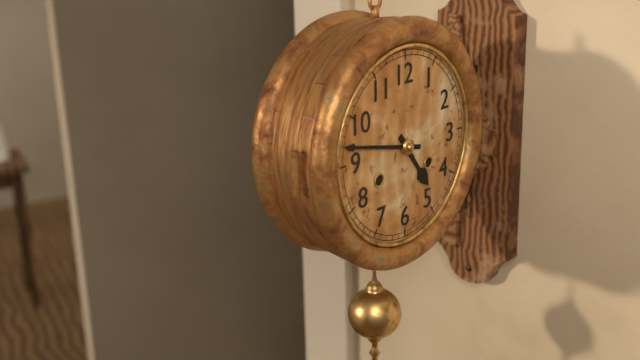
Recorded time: **4:47**
